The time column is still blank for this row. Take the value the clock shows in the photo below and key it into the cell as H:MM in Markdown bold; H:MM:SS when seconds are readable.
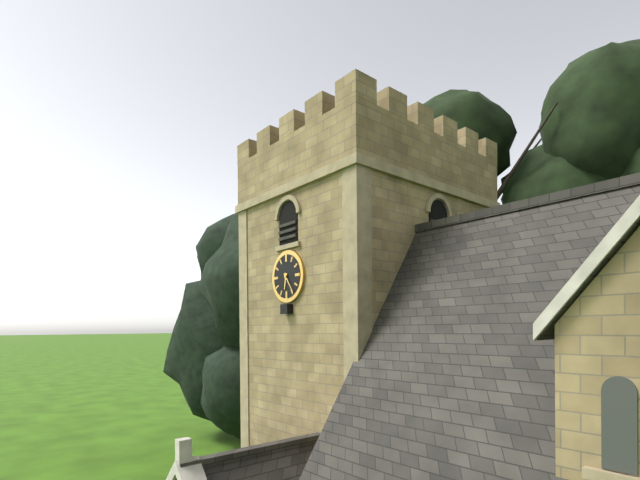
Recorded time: **6:24**
